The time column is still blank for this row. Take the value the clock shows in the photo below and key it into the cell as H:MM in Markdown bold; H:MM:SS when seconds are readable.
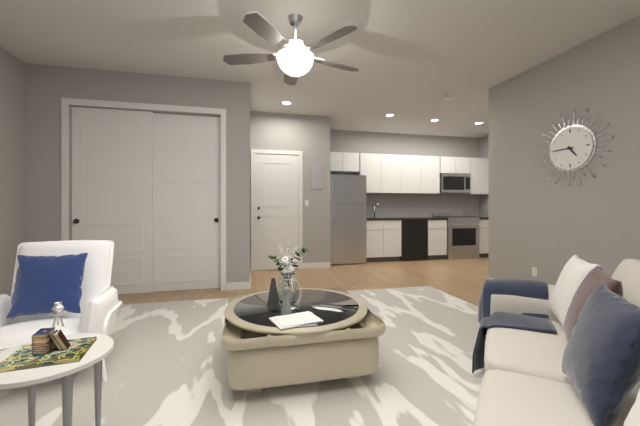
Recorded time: **4:45**
